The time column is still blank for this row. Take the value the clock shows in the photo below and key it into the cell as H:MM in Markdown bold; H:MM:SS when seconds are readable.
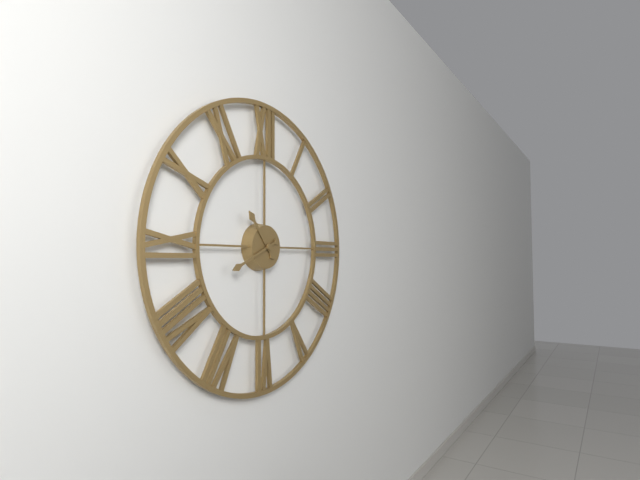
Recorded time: **10:41**
